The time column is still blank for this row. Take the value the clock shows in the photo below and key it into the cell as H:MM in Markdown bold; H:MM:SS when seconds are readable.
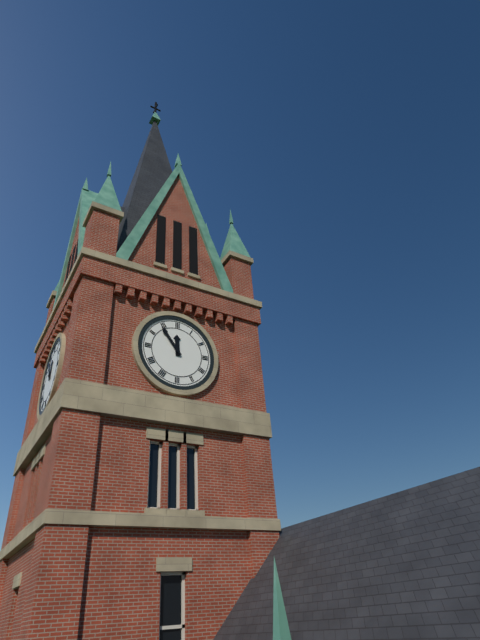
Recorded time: **11:54**
